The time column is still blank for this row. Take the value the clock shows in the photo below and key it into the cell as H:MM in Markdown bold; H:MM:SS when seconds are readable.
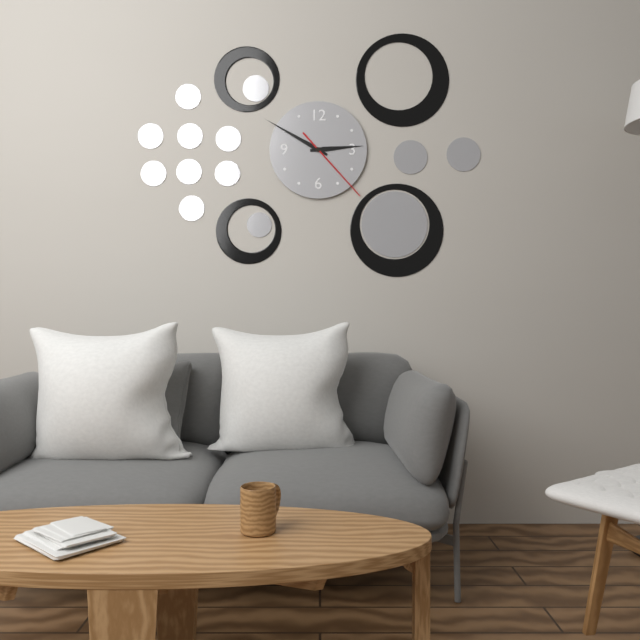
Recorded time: **2:50:23**
